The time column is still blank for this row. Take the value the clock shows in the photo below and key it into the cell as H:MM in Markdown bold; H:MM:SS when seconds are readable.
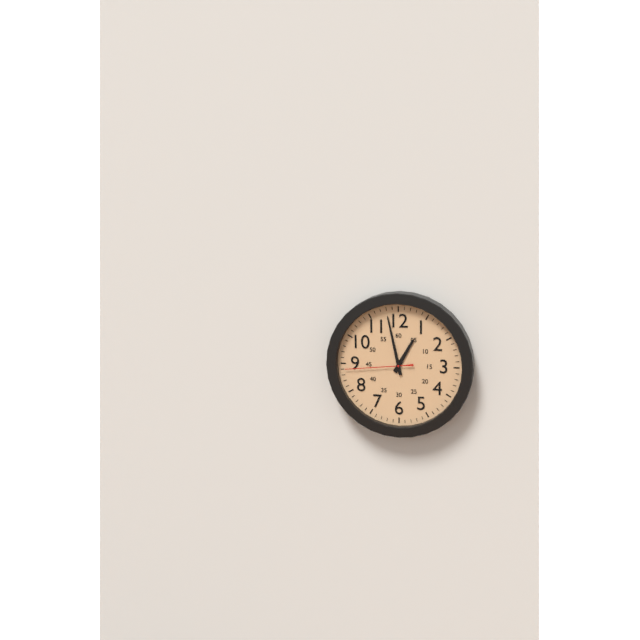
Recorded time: **12:58:44**
